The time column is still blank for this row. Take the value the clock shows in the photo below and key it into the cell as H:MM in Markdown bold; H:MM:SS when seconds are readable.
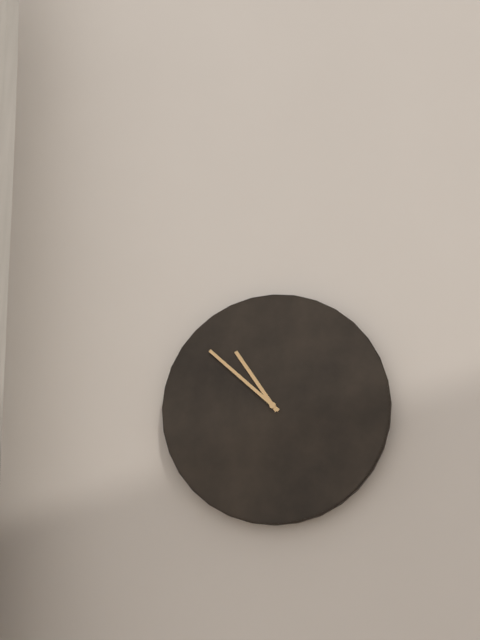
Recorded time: **10:52**
